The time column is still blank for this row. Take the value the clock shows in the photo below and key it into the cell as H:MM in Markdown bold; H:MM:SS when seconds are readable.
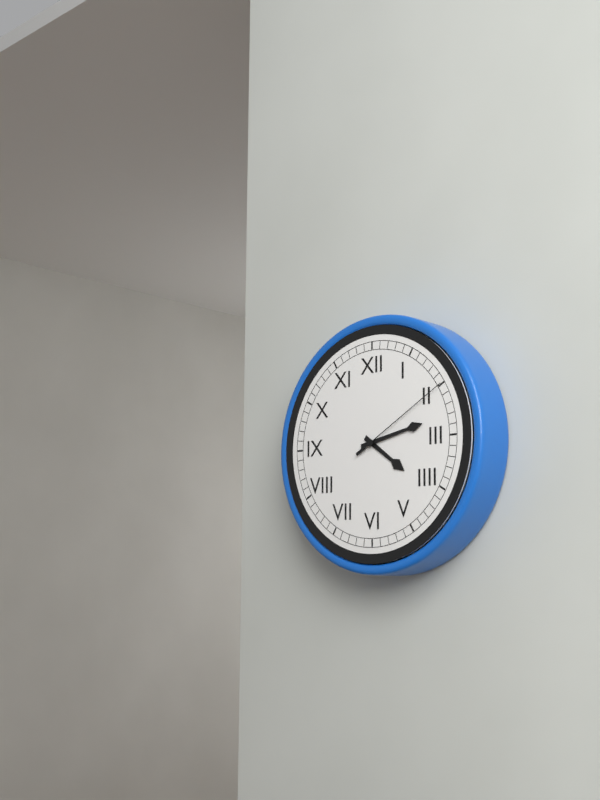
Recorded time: **4:13:10**
